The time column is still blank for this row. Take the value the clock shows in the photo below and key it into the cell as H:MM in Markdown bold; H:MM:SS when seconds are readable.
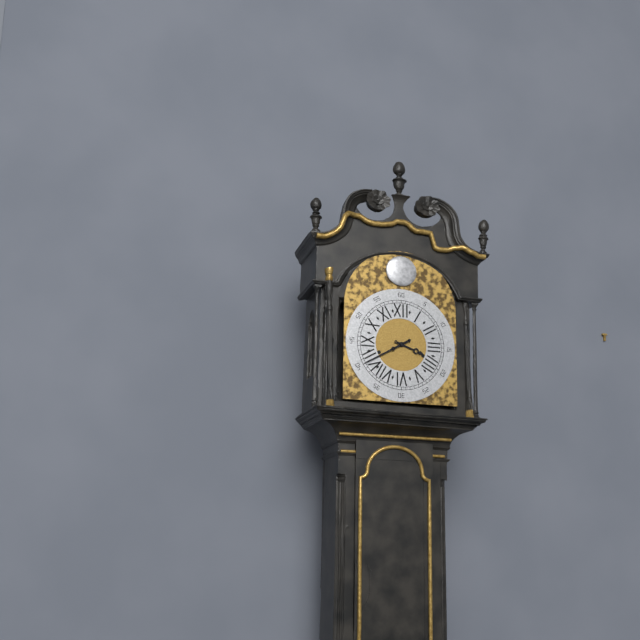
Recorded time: **3:40**
